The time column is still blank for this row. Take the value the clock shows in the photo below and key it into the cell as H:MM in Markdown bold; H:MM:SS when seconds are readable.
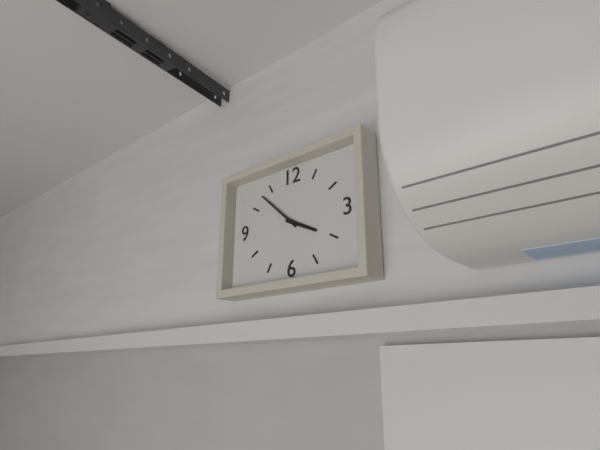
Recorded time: **3:52**
